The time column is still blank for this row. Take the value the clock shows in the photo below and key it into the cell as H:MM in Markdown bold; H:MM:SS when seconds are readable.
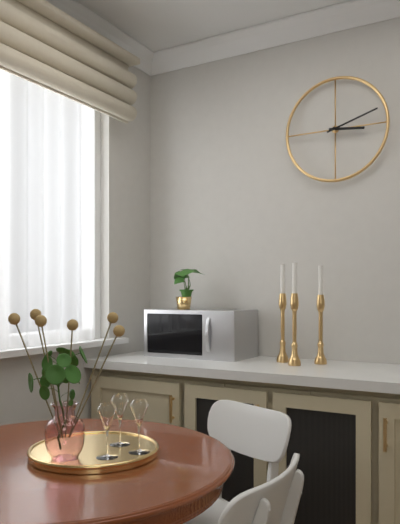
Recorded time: **3:12**
